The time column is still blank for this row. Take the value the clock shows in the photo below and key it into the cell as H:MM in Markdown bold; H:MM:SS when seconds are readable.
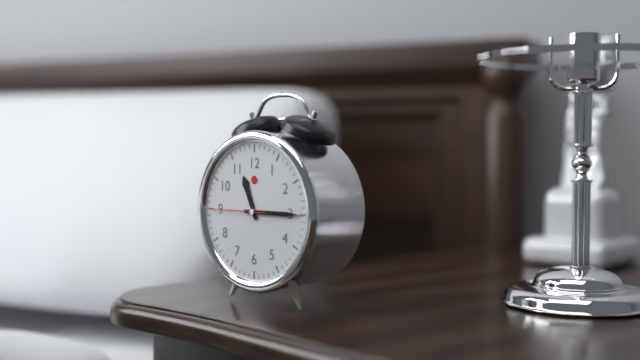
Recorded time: **11:15:45**
